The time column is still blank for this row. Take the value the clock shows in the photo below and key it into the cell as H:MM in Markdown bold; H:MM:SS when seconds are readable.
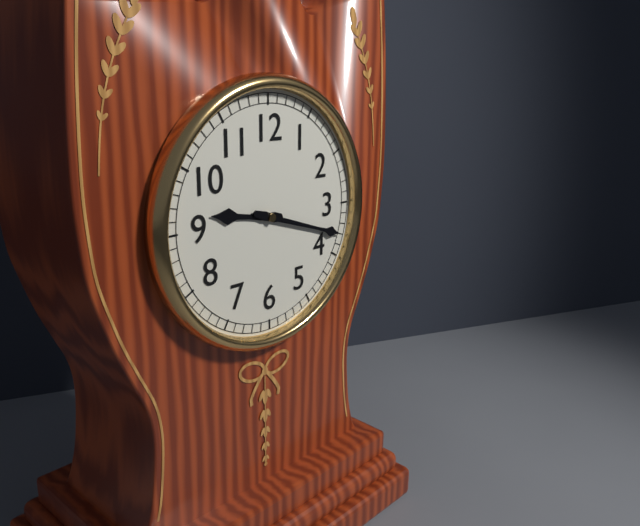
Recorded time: **9:18**
